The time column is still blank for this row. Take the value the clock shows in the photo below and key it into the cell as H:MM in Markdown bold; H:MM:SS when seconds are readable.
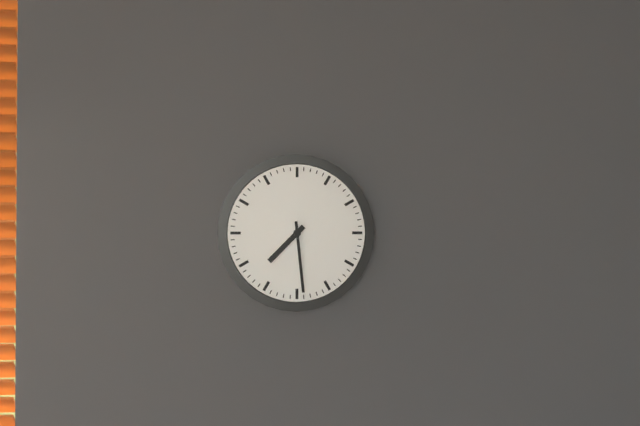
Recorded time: **7:29**
